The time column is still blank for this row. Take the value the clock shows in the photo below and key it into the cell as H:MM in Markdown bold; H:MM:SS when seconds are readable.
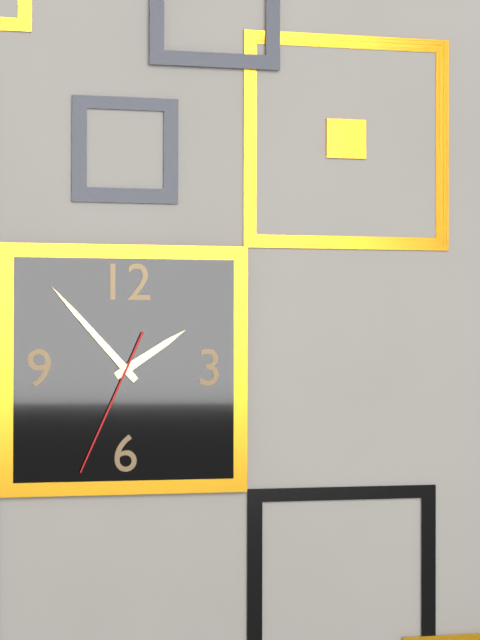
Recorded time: **1:53:34**
